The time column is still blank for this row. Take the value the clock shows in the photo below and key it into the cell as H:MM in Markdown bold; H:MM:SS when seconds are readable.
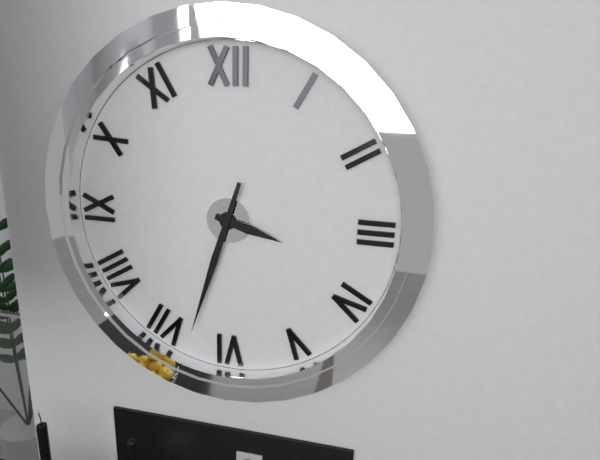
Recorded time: **3:33**
